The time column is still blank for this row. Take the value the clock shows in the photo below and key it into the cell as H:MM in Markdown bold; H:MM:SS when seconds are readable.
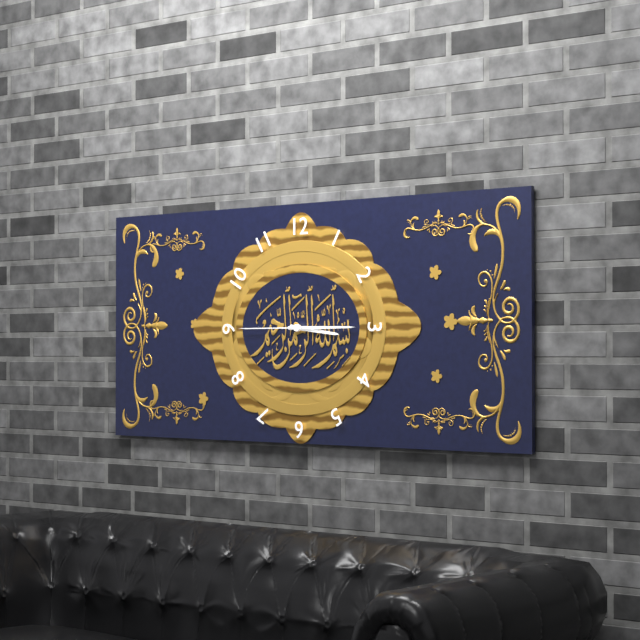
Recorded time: **3:15:45**
